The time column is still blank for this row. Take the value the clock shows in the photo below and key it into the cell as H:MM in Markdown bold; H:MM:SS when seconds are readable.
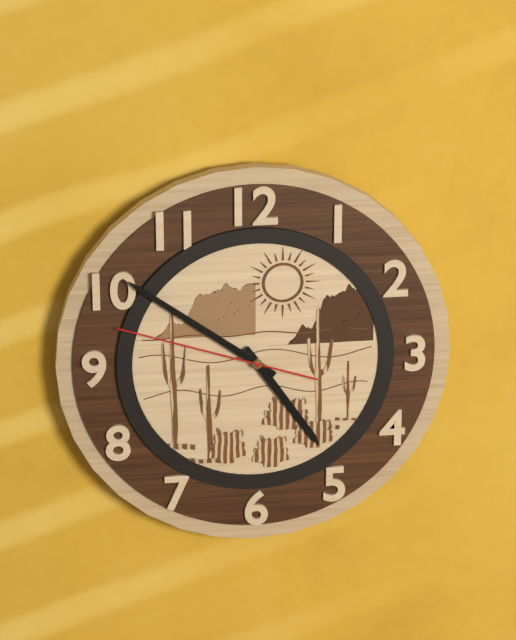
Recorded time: **4:51:48**
